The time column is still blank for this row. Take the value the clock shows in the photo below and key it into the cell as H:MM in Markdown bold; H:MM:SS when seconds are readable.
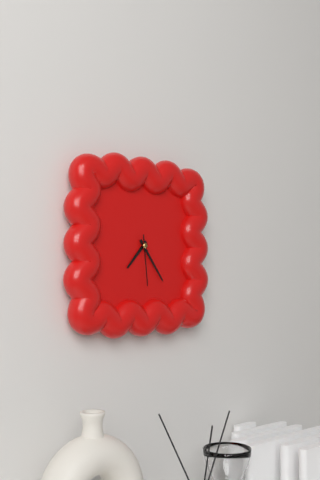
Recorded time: **7:24:29**
